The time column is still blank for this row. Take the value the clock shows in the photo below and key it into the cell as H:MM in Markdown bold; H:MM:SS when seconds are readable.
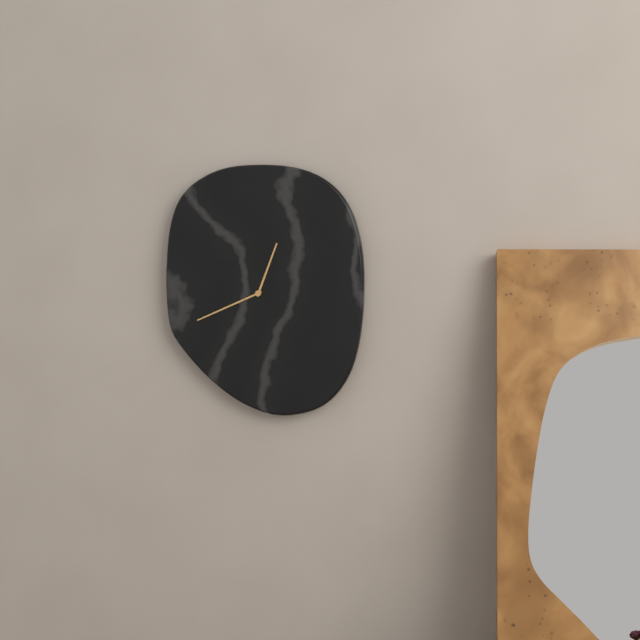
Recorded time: **12:41**
